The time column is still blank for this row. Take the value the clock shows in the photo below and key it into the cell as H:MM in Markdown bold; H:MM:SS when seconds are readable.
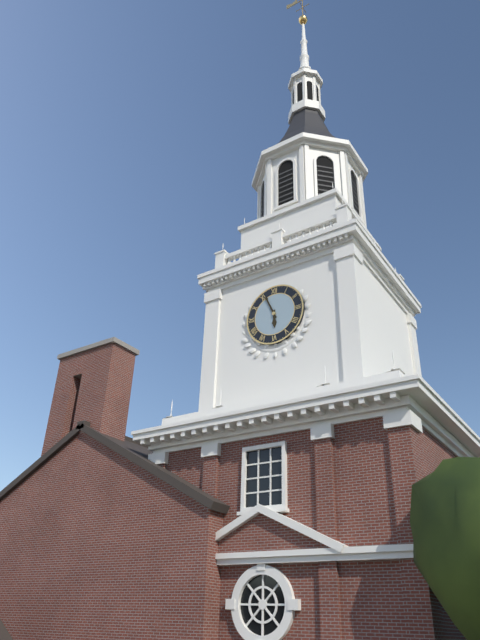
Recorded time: **5:56**
